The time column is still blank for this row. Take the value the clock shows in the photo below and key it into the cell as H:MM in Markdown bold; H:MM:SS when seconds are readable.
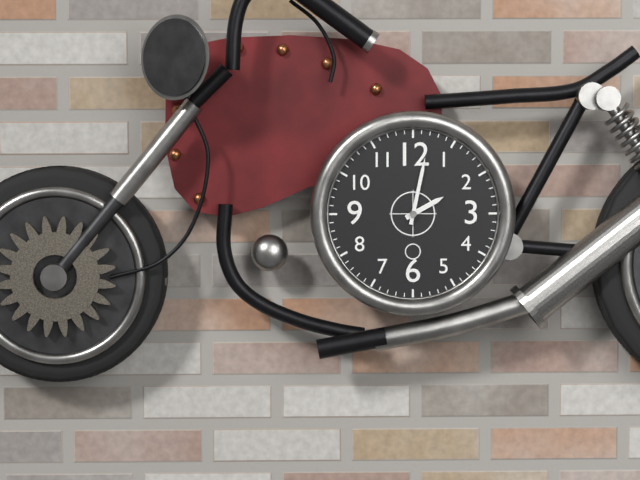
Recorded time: **2:02**
